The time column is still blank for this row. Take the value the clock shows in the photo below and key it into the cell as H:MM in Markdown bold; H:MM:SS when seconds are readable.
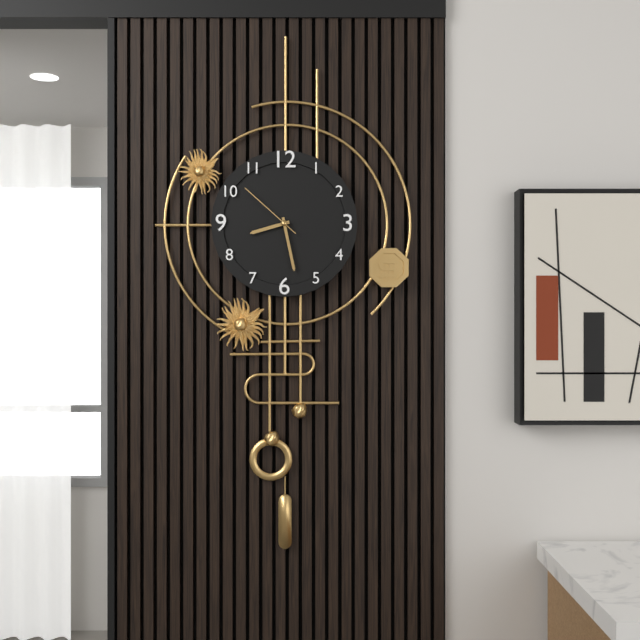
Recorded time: **8:28:52**
